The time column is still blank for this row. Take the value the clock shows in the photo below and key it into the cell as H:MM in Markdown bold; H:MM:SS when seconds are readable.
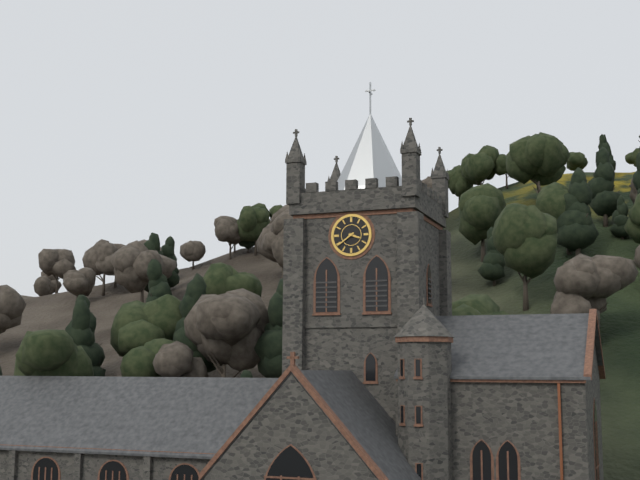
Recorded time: **3:39**
